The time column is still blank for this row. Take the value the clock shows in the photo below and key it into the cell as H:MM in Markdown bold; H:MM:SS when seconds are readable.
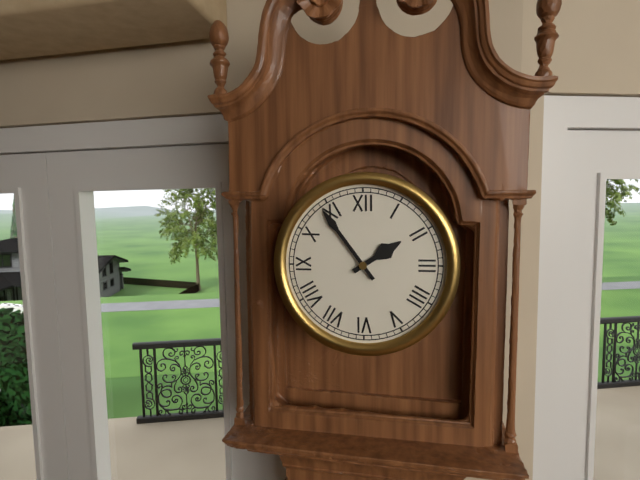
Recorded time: **1:54**
